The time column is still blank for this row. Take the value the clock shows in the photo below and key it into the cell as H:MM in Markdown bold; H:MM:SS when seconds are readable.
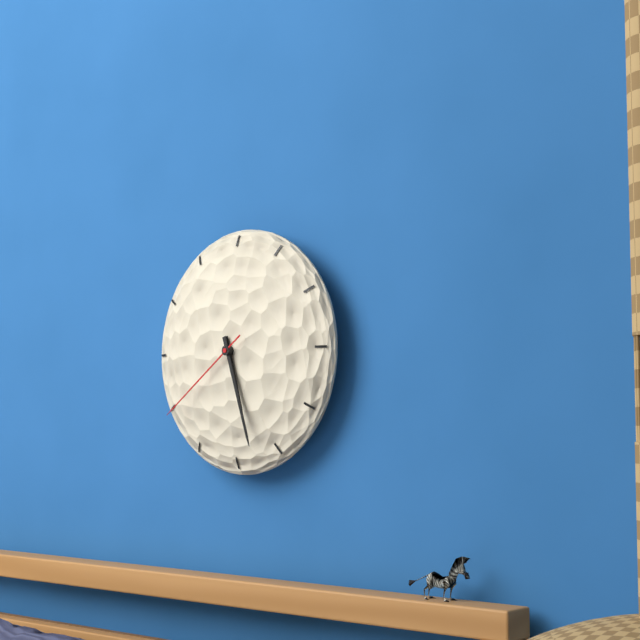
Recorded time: **5:27:39**
